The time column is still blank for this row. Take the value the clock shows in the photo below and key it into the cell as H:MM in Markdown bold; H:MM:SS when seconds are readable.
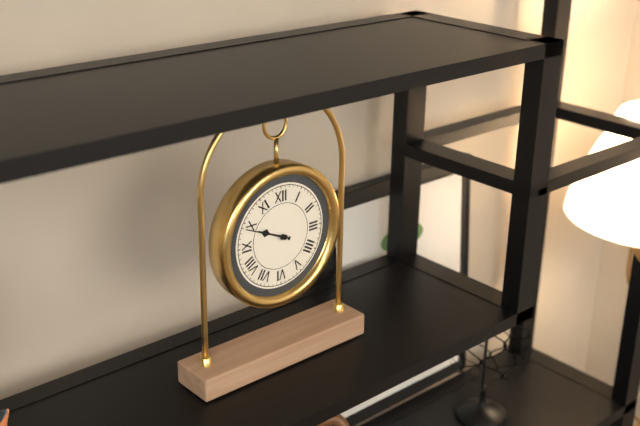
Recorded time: **9:49**
